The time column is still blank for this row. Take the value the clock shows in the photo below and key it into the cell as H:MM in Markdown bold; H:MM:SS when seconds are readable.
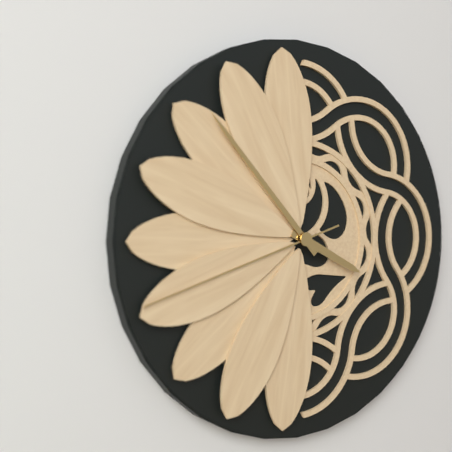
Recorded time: **3:53:42**
